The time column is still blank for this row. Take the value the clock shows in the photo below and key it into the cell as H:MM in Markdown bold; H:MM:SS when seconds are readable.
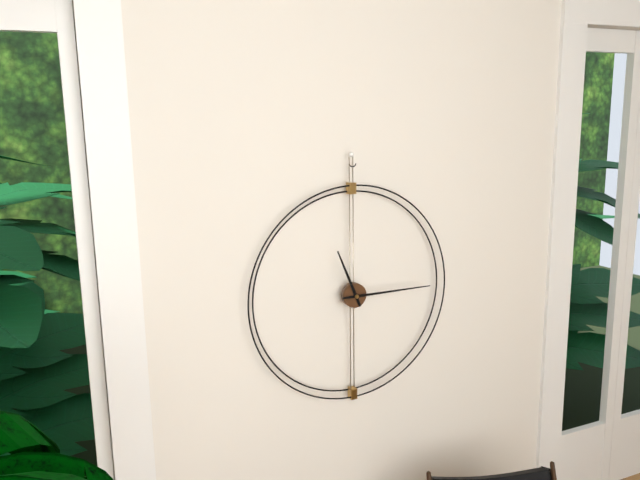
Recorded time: **11:15**
